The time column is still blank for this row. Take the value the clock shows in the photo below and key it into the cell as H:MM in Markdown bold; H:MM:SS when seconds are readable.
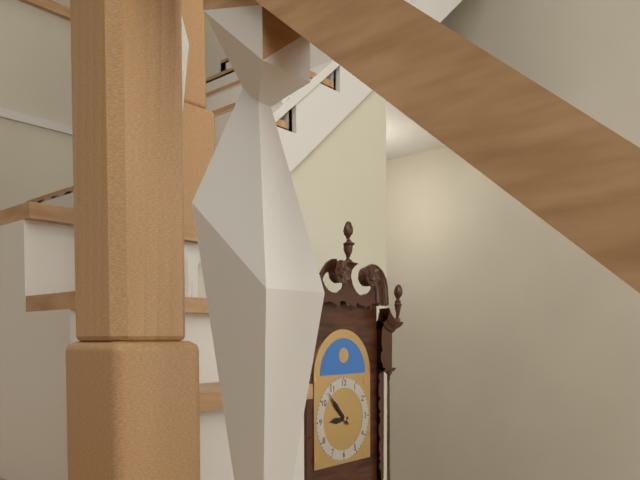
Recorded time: **8:53**
